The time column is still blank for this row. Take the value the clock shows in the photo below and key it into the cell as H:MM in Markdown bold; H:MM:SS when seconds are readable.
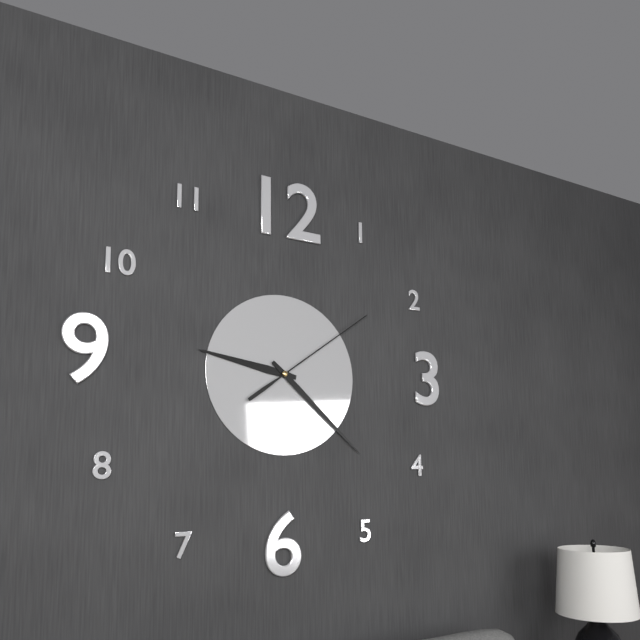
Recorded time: **9:22:09**
